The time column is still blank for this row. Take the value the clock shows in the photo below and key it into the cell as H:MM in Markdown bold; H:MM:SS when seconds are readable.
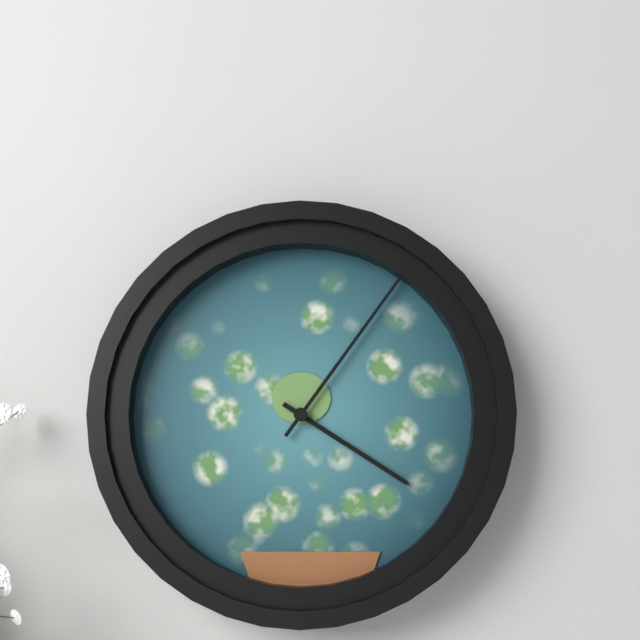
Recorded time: **4:06**
